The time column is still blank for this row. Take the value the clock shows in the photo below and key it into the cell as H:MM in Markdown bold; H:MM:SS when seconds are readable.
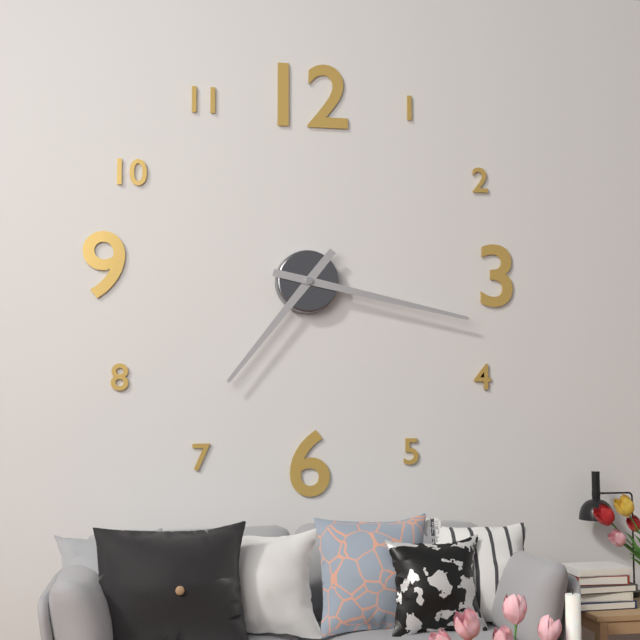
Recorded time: **7:17**
